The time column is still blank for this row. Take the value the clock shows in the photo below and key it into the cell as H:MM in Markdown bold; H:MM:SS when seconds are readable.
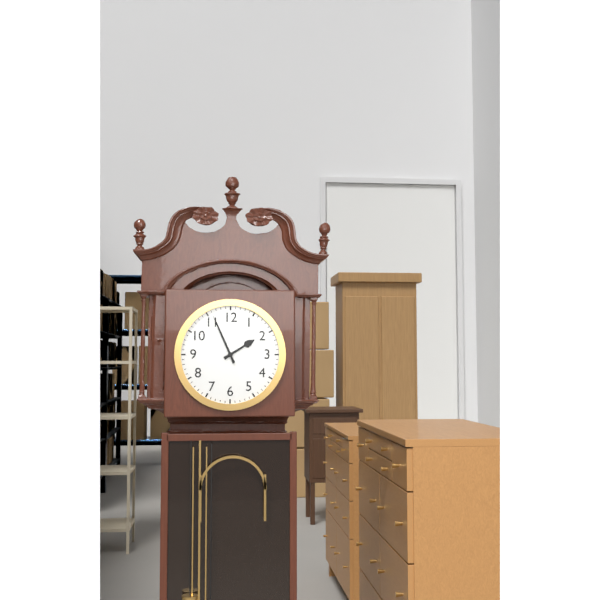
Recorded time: **1:56**
